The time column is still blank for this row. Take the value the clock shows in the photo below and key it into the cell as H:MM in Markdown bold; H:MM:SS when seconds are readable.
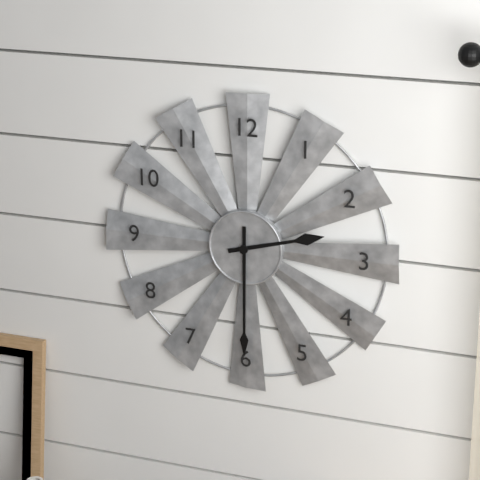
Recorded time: **2:30**
